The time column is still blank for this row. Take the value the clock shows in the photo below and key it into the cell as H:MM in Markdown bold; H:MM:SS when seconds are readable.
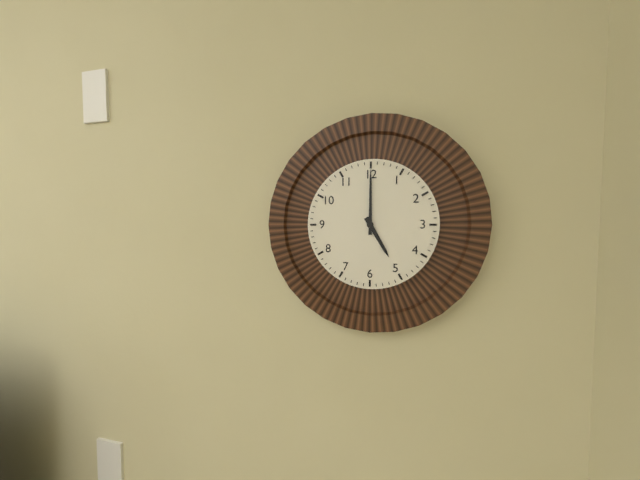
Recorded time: **5:00**
